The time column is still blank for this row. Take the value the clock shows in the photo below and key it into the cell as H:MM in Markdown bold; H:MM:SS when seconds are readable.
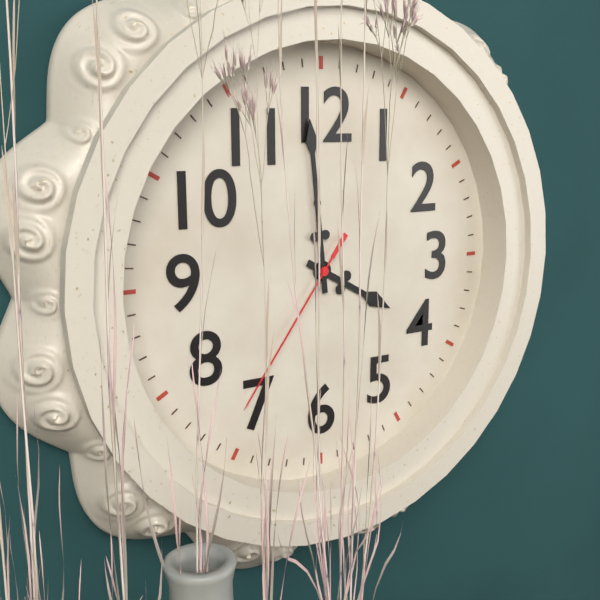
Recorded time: **3:59:36**
